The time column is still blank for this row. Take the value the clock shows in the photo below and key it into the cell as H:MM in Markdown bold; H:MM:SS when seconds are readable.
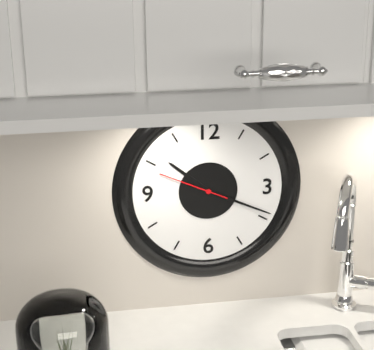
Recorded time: **10:19:49**
